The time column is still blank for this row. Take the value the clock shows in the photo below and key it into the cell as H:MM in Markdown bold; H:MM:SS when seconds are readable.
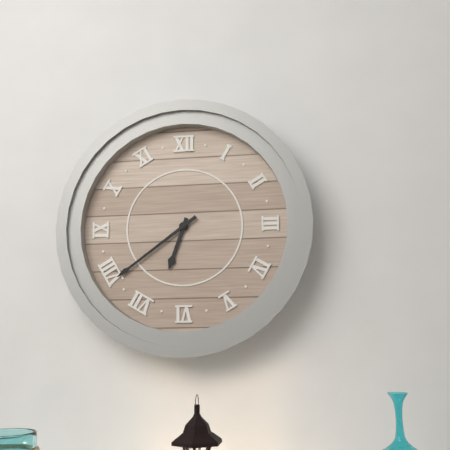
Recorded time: **6:39**
